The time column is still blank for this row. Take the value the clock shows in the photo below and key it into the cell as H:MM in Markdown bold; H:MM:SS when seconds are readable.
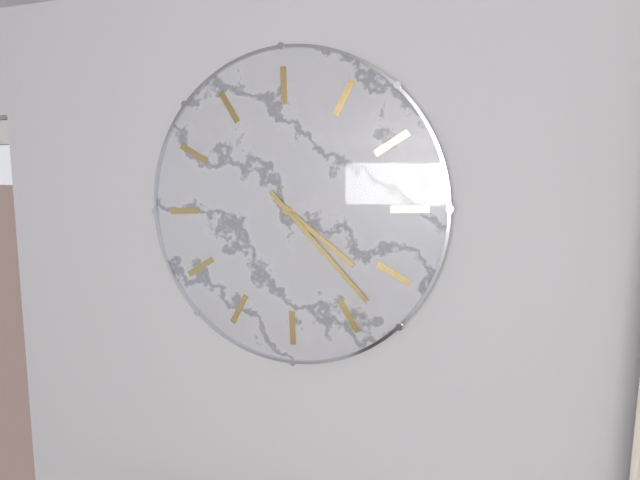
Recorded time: **3:18**
